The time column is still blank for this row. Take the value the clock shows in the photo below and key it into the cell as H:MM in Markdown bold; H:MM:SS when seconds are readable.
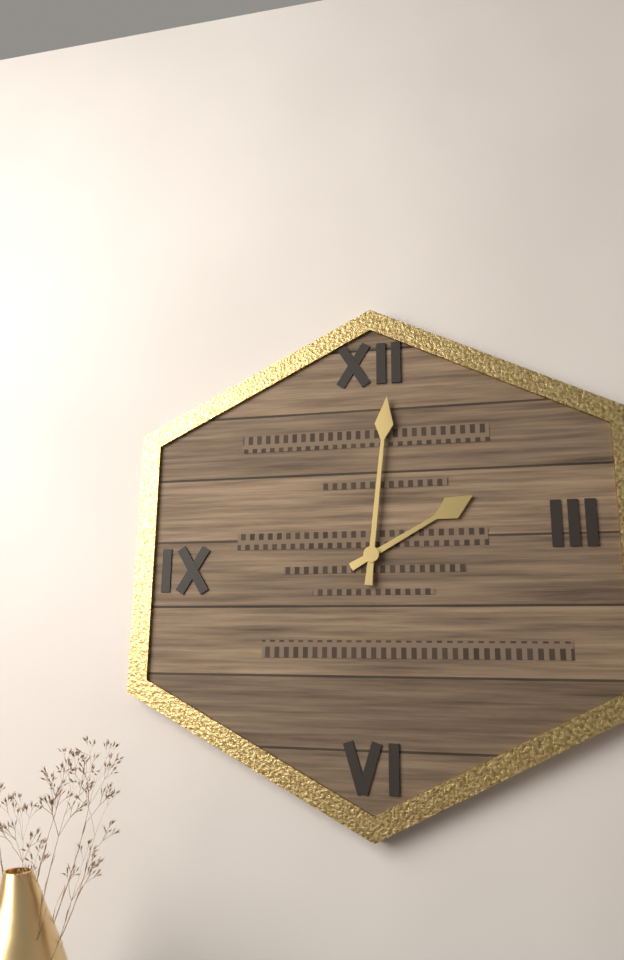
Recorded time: **2:01**
